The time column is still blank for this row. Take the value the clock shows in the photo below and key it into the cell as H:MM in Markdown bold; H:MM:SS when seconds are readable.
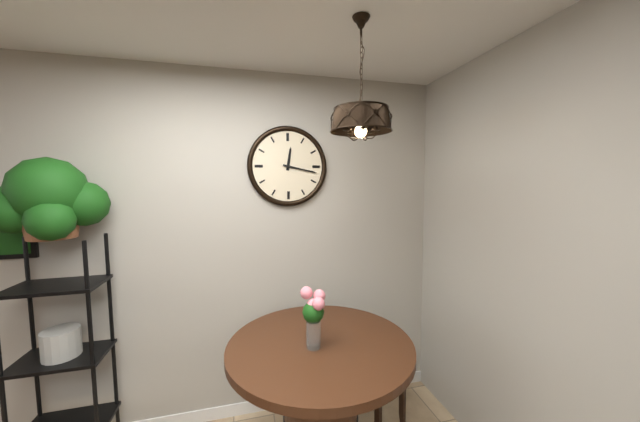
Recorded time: **12:17**
